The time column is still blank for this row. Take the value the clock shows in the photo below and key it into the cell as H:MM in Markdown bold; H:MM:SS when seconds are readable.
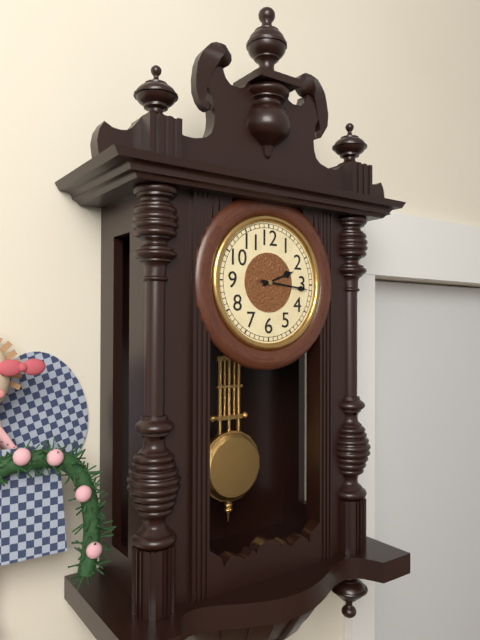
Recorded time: **2:16**
